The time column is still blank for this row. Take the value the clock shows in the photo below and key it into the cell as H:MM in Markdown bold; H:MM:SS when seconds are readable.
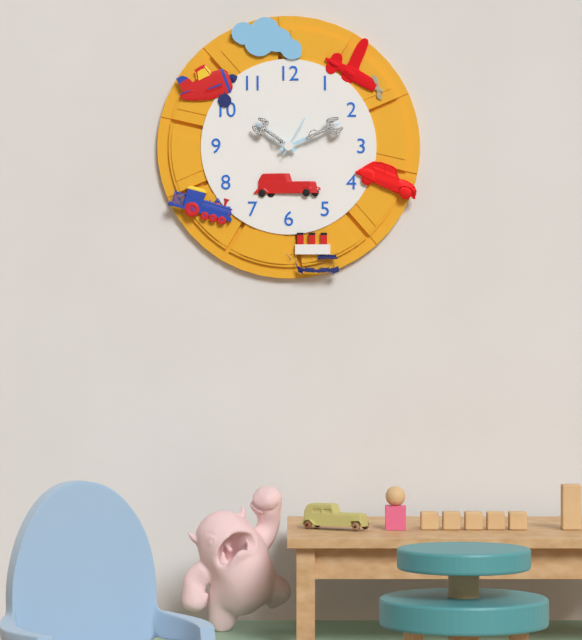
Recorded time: **10:11**
